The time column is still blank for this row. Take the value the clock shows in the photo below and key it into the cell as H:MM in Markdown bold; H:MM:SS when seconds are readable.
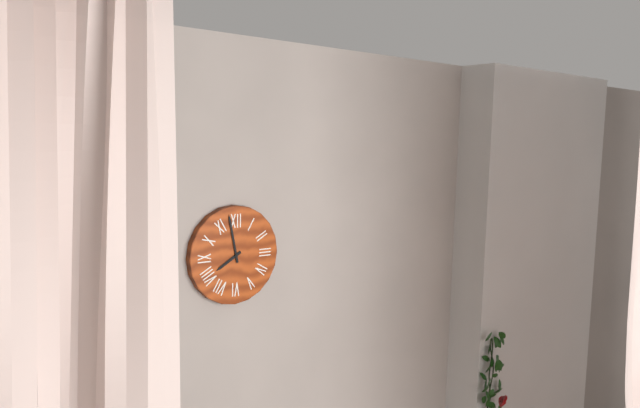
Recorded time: **7:58**
